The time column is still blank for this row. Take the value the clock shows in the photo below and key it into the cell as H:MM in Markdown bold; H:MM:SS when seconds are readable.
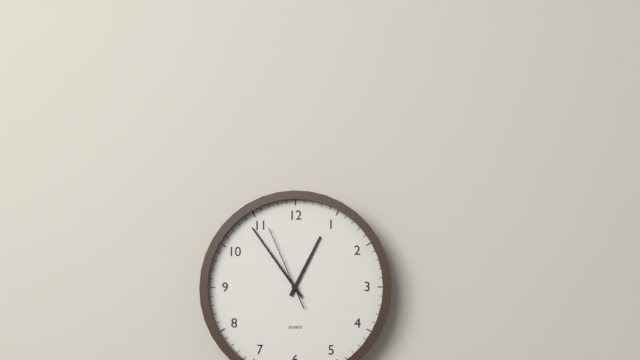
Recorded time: **12:54:56**
